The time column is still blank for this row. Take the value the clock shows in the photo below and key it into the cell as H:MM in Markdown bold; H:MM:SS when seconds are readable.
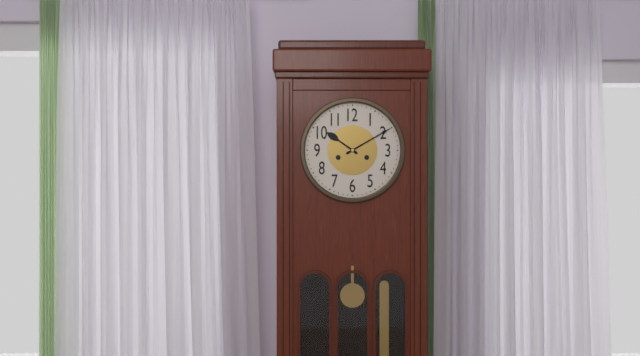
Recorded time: **10:10**
